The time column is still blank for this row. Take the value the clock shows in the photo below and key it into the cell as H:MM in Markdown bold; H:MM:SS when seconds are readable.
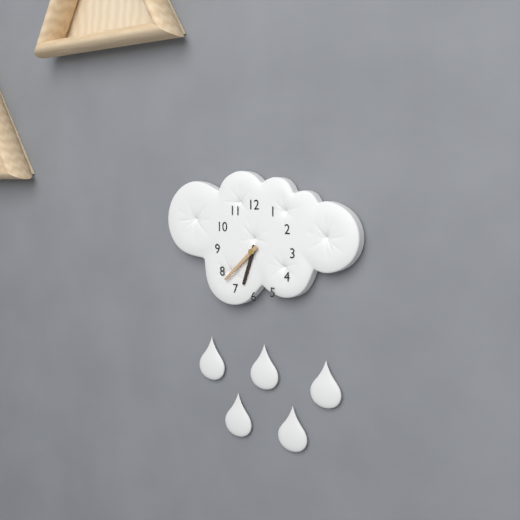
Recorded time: **6:38**
